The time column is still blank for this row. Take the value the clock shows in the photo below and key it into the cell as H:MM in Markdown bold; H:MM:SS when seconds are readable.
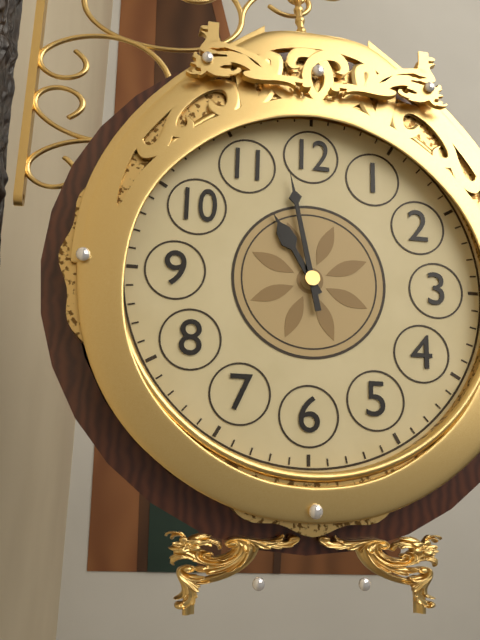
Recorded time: **10:58**
